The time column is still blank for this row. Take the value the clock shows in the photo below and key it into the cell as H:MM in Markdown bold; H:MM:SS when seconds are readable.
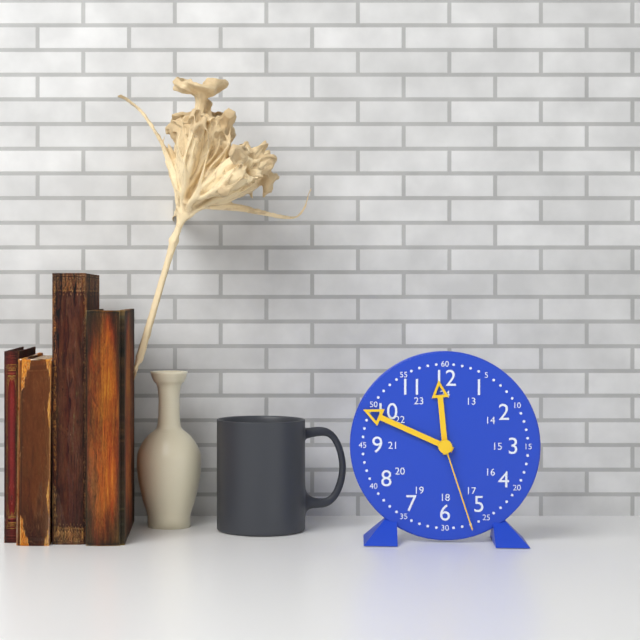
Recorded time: **11:49:27**
